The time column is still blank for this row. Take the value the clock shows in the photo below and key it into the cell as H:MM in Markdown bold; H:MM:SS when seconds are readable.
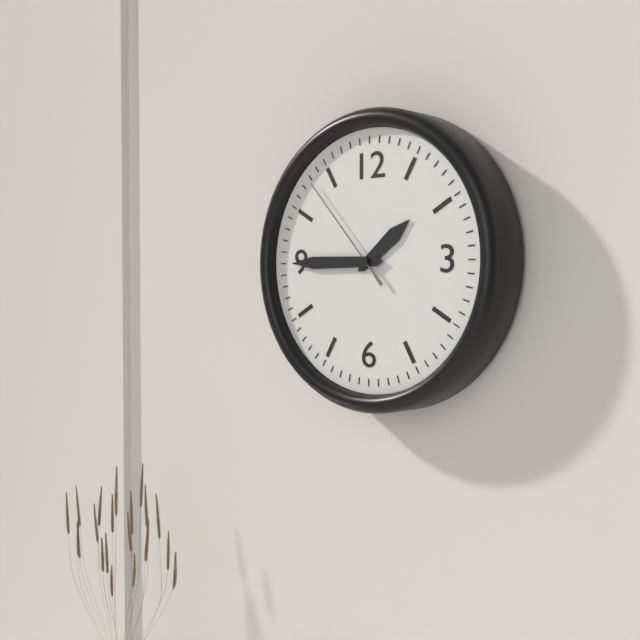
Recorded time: **1:45:53**
